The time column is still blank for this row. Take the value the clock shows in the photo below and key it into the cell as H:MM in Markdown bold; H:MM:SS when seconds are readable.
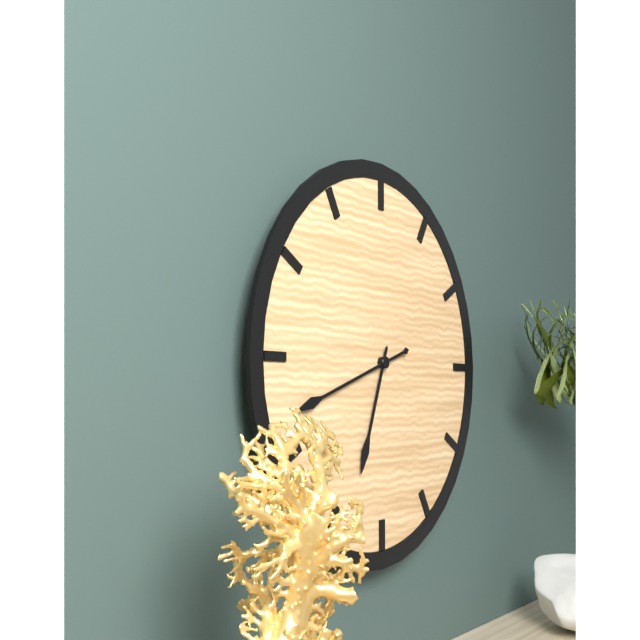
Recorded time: **6:42**
